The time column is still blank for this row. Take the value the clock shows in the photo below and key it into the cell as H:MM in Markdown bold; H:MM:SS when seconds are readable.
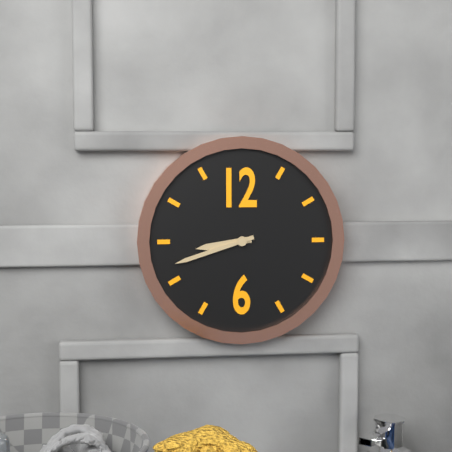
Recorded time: **8:42**
